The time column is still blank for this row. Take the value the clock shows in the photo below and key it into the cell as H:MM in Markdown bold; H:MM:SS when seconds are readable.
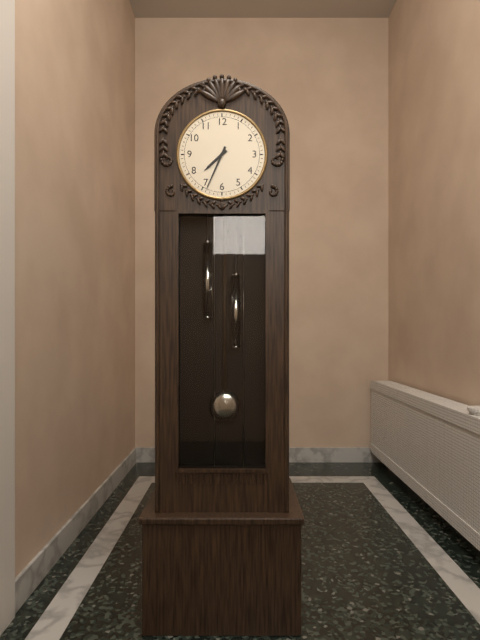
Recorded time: **7:34**
